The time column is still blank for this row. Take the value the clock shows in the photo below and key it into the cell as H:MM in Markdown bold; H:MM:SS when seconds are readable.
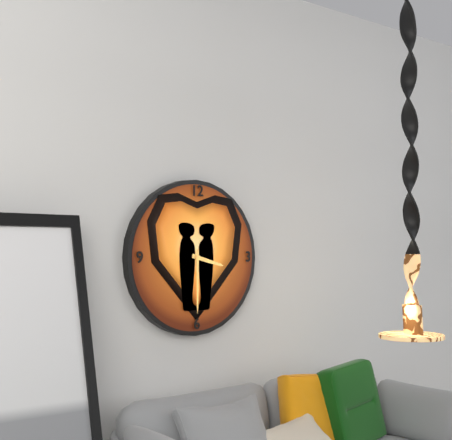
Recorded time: **3:30**
